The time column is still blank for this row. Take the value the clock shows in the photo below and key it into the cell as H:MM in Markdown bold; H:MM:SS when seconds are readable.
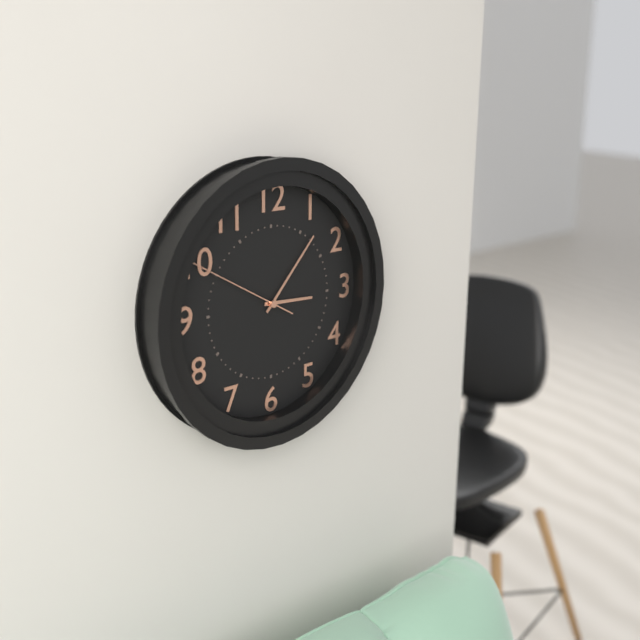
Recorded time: **3:07:50**
